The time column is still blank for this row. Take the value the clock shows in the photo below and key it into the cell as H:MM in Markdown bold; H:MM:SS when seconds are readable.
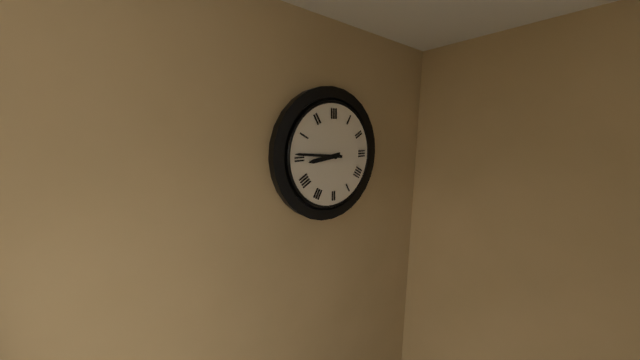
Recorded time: **8:46**
